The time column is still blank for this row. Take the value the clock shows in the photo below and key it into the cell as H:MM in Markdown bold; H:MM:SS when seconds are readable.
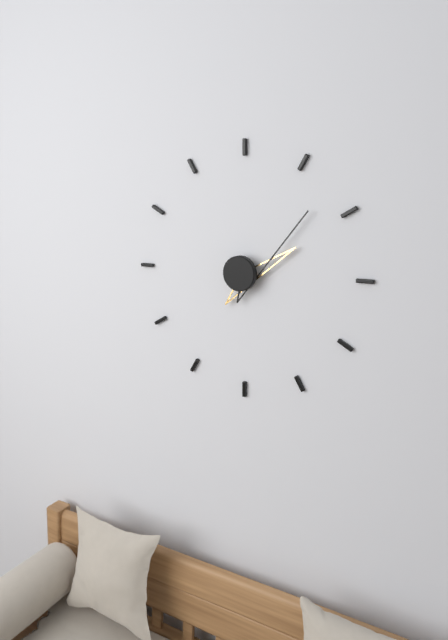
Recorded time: **2:08**
